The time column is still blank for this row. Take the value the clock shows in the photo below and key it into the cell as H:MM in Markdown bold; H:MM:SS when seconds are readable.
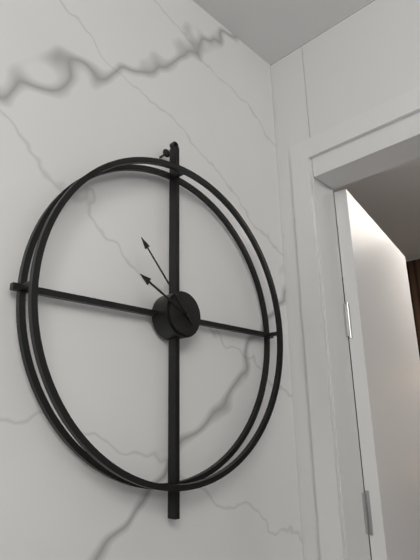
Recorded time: **9:53**
